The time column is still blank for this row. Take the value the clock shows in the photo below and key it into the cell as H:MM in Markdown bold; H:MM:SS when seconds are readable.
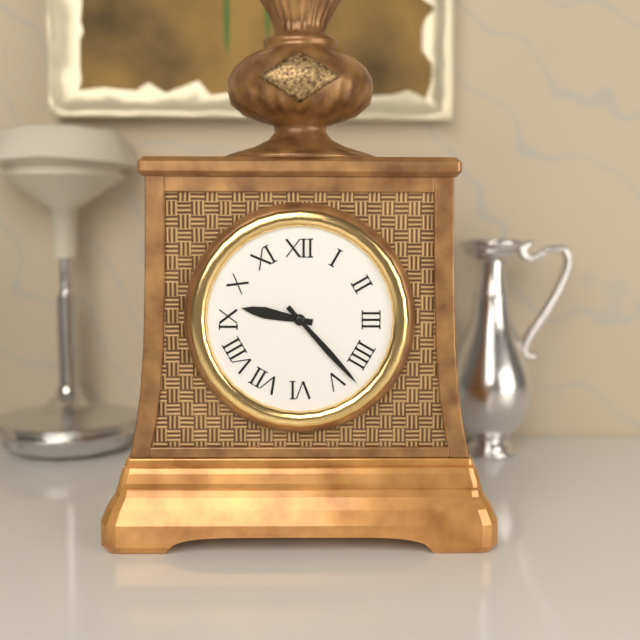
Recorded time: **9:23**
